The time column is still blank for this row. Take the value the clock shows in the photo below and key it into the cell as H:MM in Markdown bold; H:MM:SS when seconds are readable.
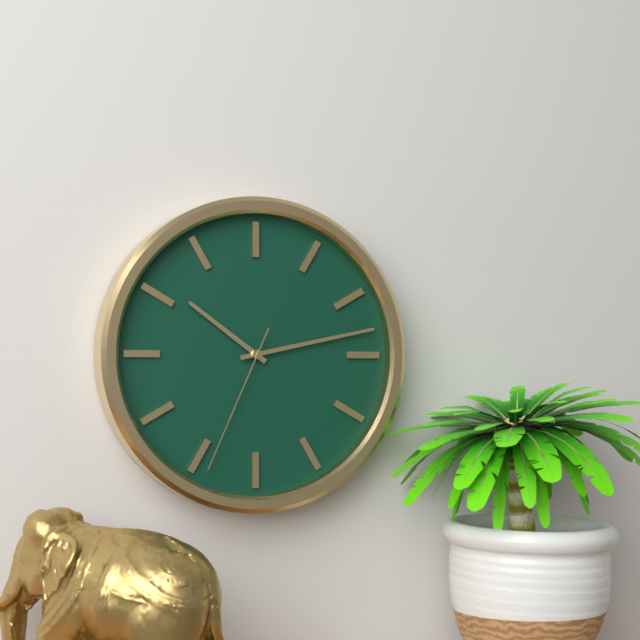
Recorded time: **10:13:34**
